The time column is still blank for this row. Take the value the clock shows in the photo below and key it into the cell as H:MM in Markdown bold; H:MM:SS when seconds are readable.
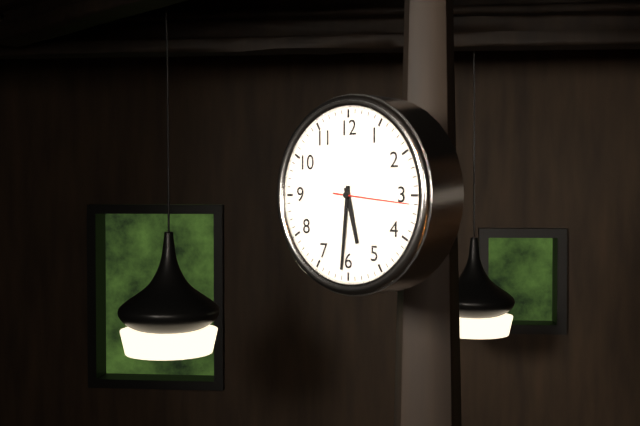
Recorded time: **5:31:16**
